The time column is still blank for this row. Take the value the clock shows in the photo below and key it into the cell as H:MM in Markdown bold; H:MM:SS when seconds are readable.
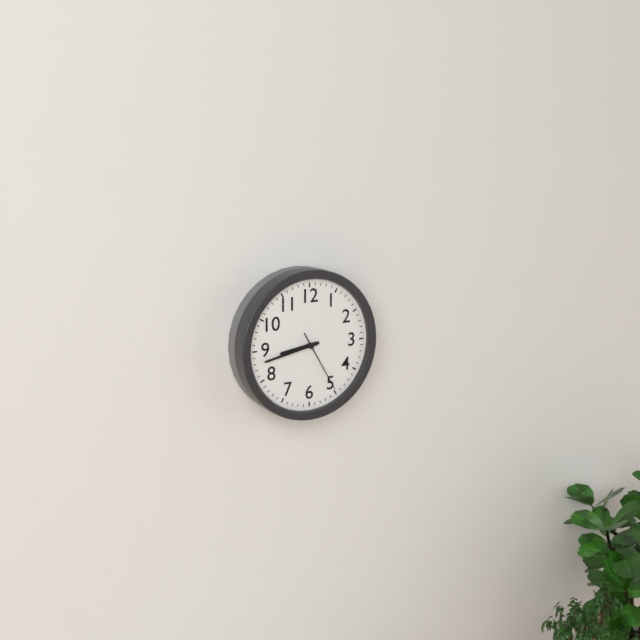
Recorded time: **8:43:25**
